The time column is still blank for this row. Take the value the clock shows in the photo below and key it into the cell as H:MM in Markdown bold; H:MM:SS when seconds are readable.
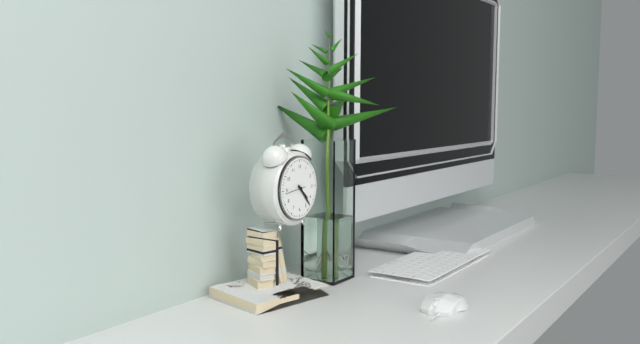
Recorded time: **4:23**
